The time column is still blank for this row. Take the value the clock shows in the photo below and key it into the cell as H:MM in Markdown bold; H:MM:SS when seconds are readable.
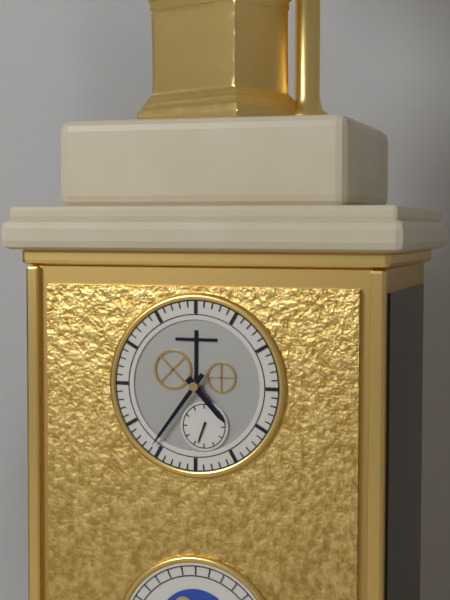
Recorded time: **4:36**
